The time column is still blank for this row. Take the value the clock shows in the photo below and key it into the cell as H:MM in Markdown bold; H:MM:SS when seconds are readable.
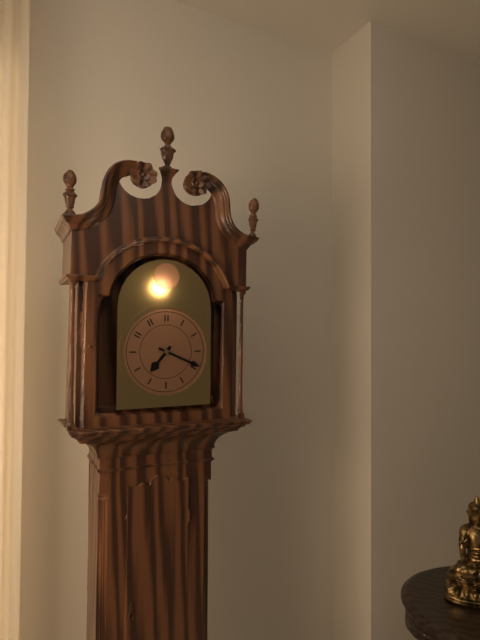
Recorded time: **7:19**
